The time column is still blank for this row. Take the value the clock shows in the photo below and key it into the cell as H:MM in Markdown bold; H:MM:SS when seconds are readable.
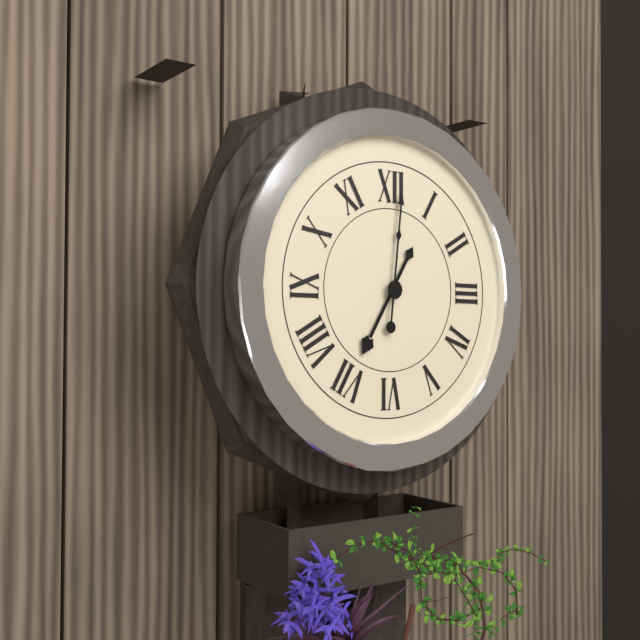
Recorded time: **7:01**
